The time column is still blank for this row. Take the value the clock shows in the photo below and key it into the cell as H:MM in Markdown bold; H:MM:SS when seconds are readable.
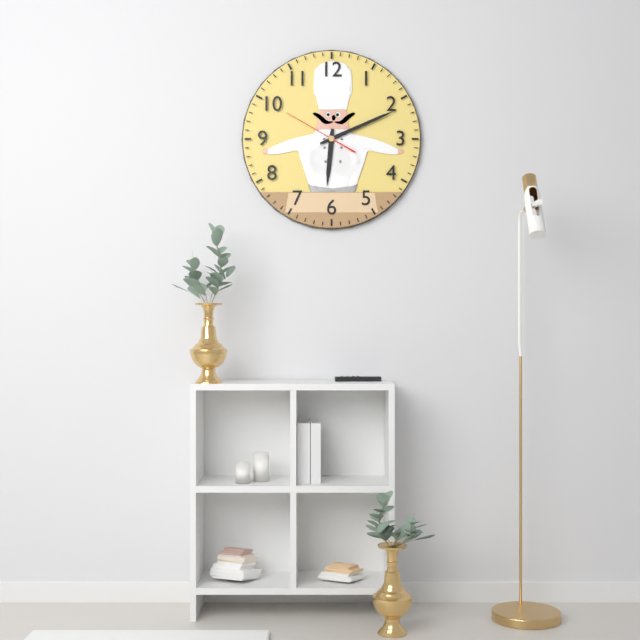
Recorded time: **6:11:50**
